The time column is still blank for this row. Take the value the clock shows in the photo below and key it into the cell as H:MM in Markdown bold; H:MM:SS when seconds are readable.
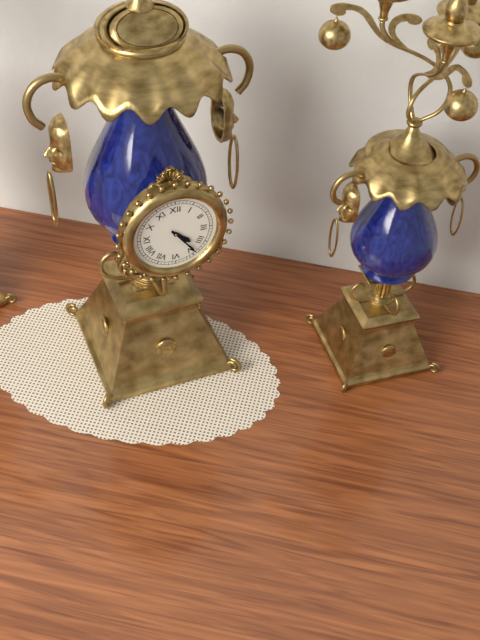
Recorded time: **4:24**
